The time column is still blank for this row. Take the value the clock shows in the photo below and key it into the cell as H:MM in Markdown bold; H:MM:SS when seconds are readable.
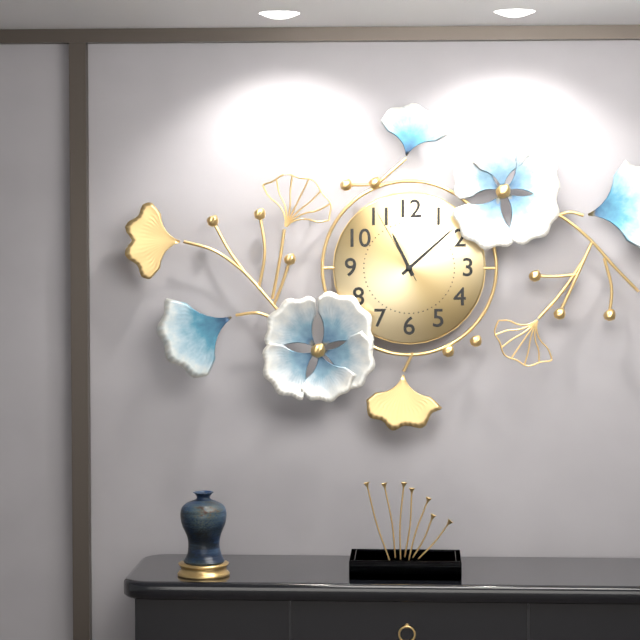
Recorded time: **11:08:55**
